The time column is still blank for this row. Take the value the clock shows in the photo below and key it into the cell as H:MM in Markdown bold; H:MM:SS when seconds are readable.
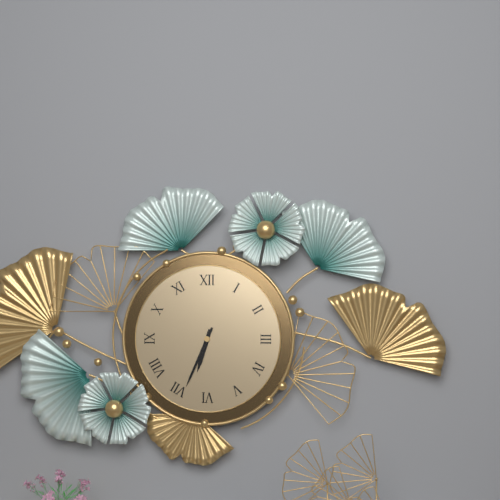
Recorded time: **6:34**
